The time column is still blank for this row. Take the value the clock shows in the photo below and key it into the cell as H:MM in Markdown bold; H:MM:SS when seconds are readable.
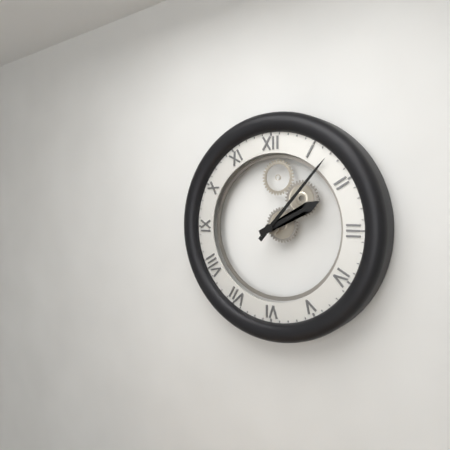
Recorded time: **2:07**
